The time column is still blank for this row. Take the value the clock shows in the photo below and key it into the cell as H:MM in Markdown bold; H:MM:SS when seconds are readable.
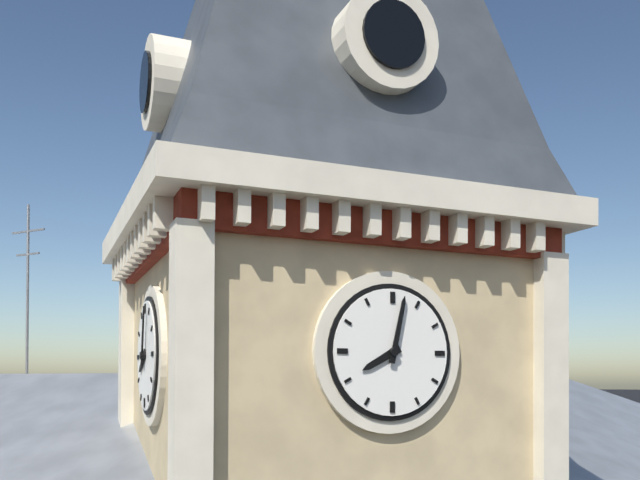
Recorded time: **8:02**
